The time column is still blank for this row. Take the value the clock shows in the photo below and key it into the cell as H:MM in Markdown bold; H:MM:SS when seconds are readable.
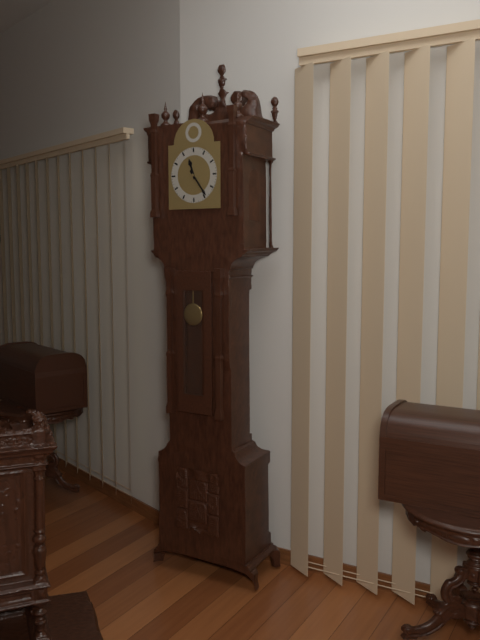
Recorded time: **11:24**
